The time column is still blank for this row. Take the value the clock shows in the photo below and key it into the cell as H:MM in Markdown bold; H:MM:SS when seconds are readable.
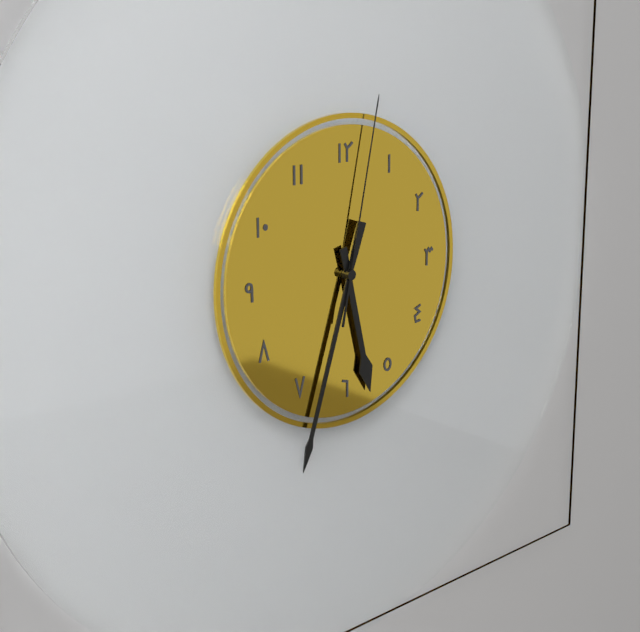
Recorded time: **5:33:02**
